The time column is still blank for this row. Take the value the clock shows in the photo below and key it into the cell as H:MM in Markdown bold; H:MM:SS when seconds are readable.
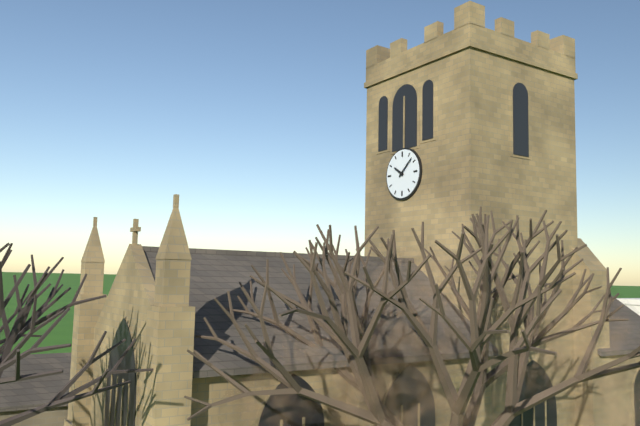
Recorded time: **10:08**
